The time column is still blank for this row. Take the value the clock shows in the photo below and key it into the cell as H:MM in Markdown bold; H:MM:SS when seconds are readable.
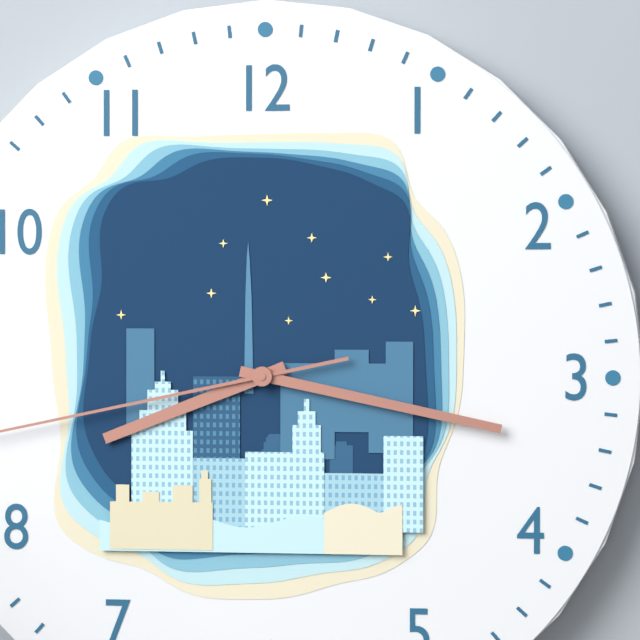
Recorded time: **8:17**
